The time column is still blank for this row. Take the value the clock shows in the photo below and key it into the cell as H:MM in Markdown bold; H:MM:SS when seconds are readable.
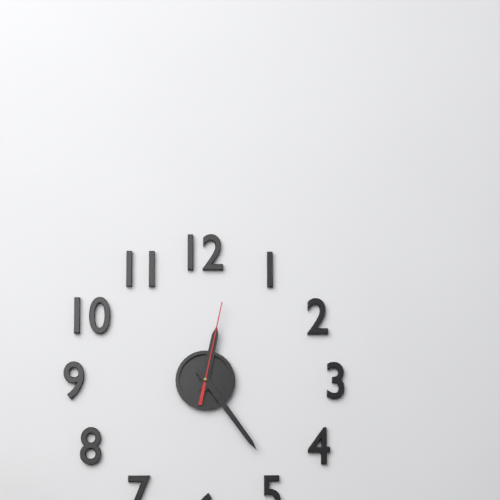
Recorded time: **12:24:02**
